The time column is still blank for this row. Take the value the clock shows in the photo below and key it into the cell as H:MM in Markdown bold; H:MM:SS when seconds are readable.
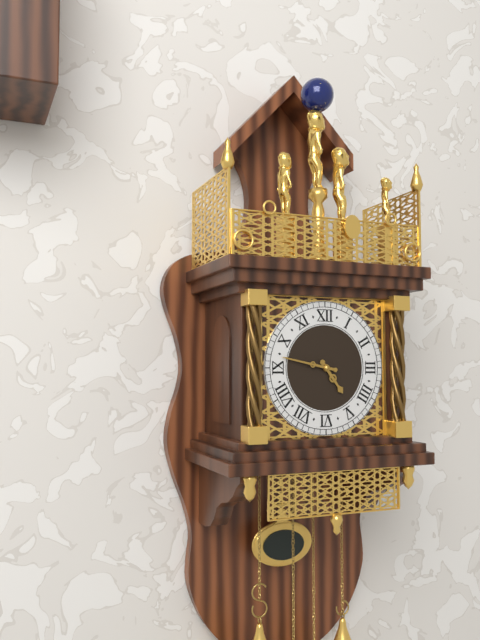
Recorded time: **4:47**
